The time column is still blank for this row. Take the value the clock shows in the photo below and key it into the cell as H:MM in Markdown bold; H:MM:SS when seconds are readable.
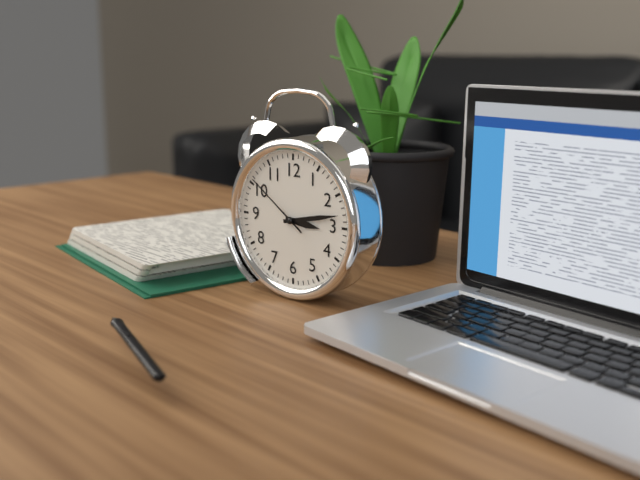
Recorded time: **3:13:51**
